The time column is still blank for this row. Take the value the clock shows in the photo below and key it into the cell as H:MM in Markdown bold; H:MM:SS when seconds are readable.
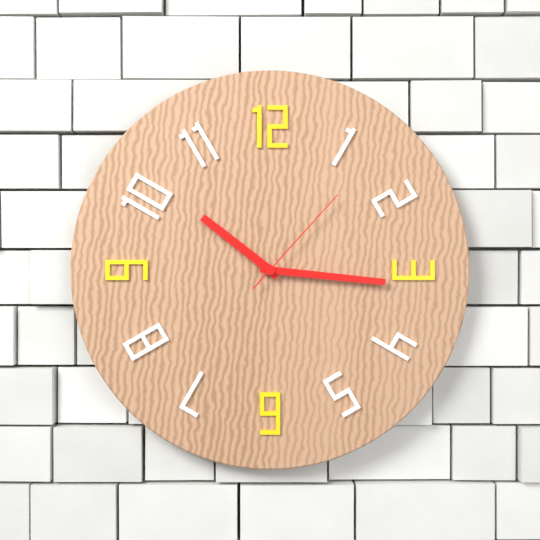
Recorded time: **10:16:07**
